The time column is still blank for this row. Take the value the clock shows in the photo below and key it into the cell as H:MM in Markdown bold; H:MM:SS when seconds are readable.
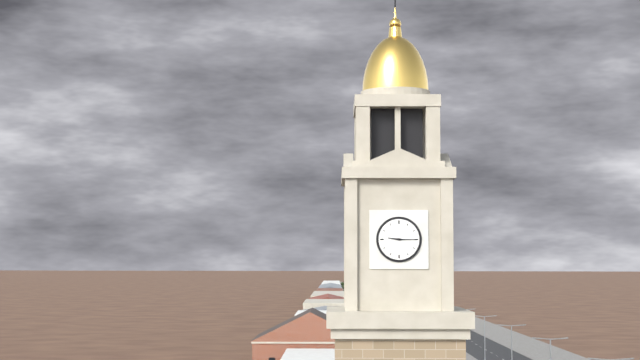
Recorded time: **9:15**
